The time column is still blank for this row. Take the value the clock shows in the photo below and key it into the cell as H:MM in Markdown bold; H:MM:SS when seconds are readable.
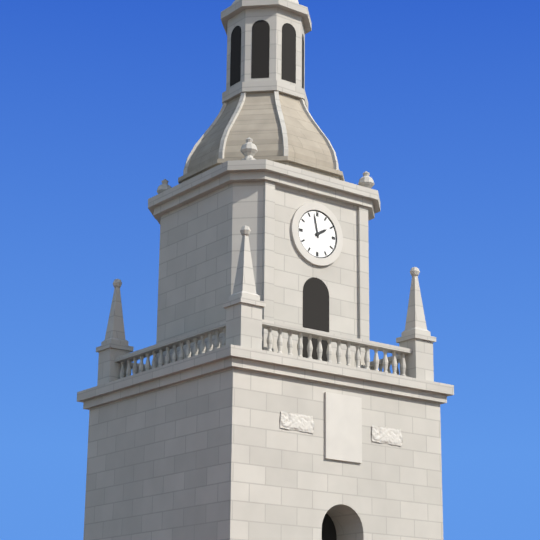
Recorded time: **1:58**
